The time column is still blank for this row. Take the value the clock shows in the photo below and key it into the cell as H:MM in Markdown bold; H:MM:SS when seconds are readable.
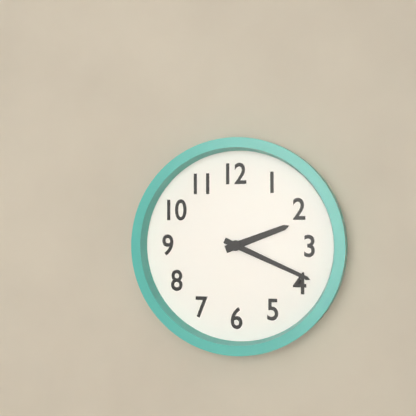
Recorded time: **2:19**
